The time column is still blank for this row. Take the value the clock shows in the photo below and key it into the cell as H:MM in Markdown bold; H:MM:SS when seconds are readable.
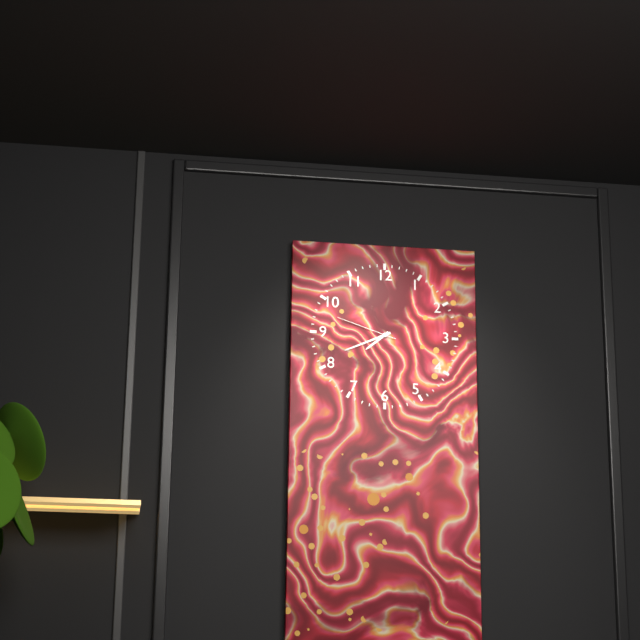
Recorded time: **7:41:48**
